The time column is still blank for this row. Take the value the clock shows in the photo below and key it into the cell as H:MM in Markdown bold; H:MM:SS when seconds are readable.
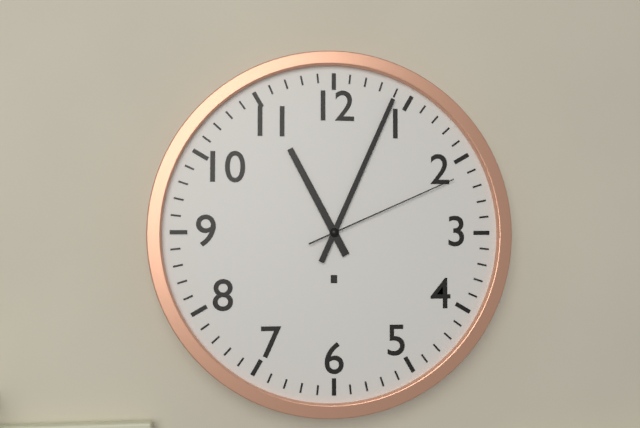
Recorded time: **11:04:11**
